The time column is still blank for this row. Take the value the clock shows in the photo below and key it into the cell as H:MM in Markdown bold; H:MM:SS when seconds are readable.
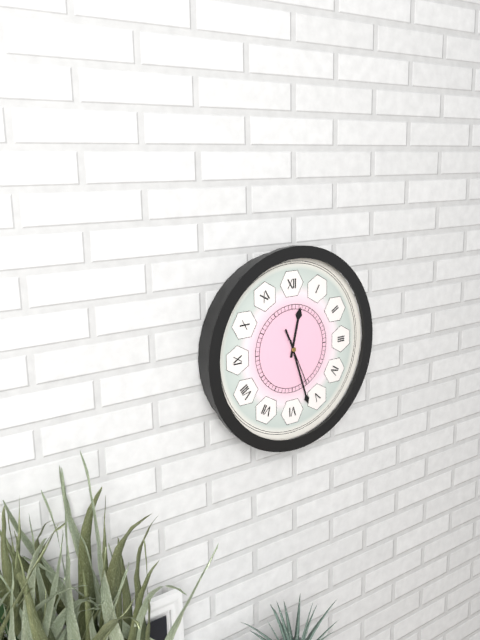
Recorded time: **12:27**
